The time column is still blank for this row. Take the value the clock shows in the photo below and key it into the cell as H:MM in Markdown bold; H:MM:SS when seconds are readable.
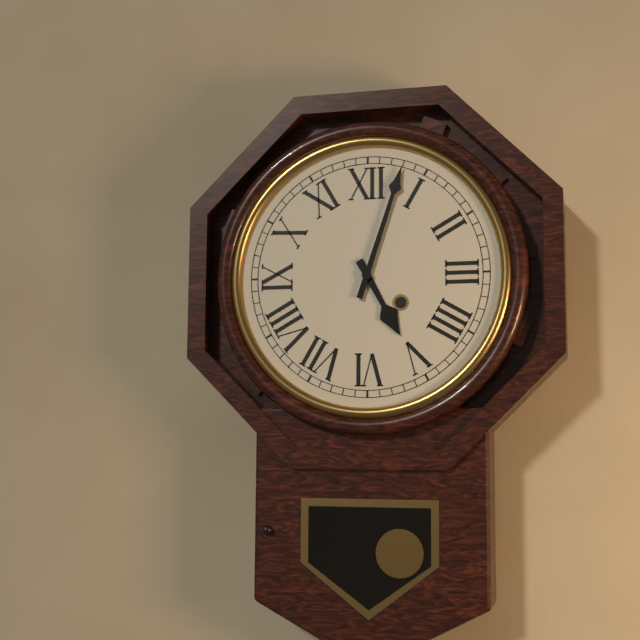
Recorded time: **5:03**
